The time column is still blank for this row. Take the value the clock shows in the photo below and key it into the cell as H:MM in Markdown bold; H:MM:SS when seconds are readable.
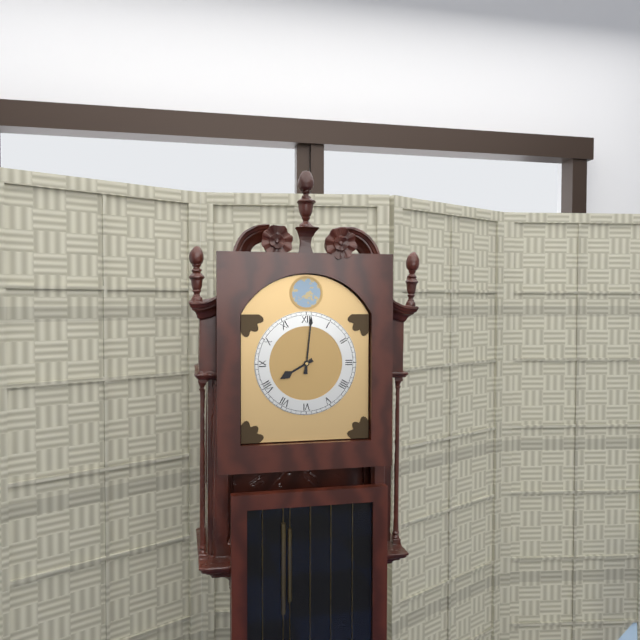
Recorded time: **8:01**
